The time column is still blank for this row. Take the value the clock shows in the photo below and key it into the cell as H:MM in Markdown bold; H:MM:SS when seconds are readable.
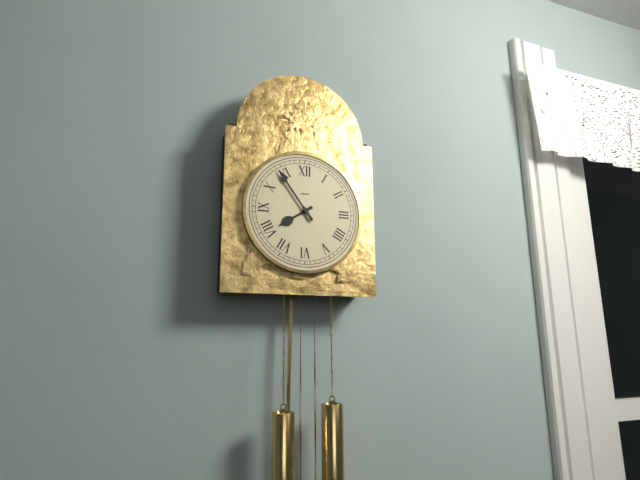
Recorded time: **7:54**
